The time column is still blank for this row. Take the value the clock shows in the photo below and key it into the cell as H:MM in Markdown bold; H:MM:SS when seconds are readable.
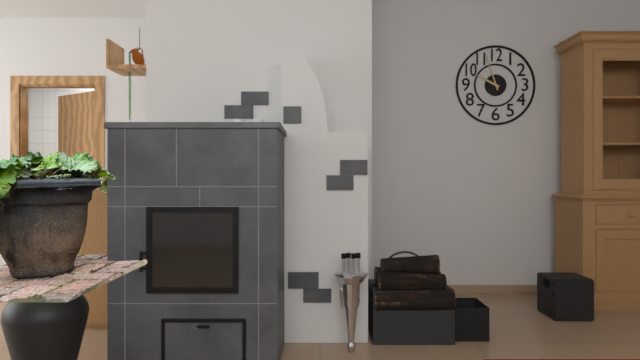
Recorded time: **9:57**
